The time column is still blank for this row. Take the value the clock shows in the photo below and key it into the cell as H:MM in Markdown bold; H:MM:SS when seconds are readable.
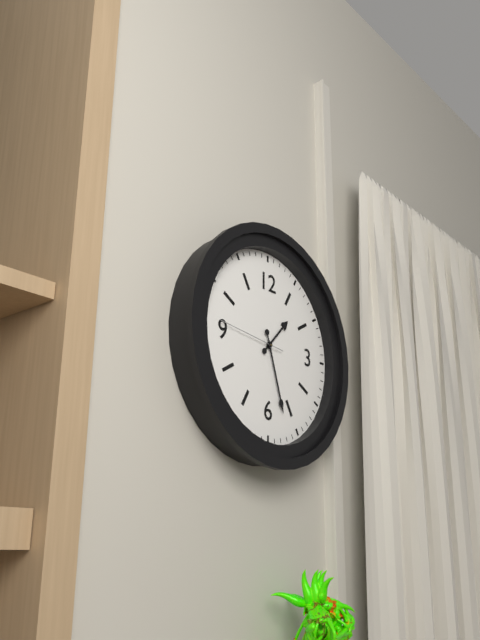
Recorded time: **1:27:46**
